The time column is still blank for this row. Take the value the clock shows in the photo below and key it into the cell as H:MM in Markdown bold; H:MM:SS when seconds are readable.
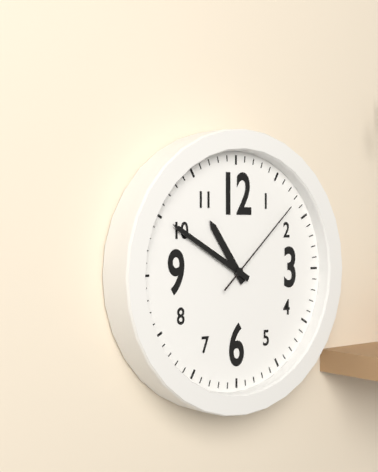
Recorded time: **10:50:08**
